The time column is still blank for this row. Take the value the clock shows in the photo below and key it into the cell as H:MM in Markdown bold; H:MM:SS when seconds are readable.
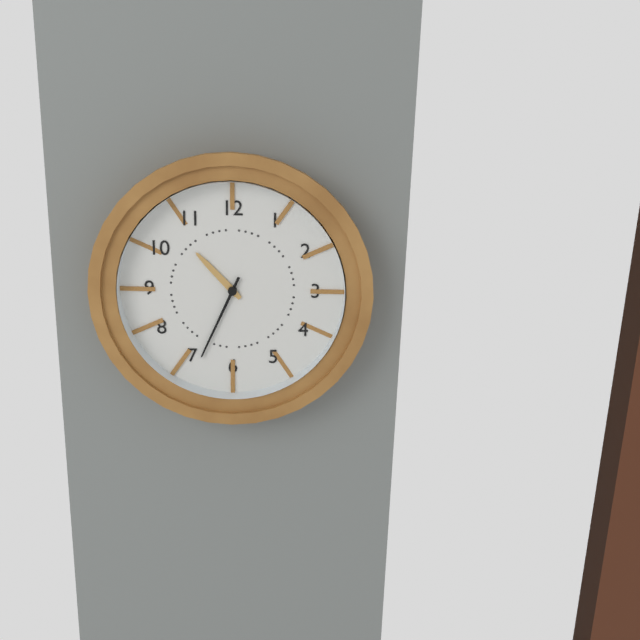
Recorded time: **10:34**
